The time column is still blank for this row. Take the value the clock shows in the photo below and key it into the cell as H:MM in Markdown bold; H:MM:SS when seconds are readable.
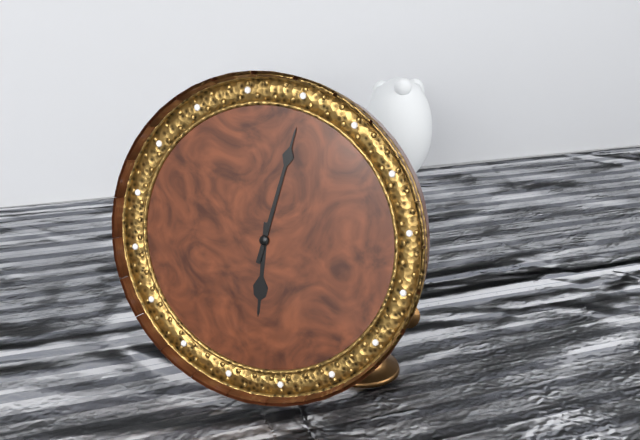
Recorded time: **6:02**
